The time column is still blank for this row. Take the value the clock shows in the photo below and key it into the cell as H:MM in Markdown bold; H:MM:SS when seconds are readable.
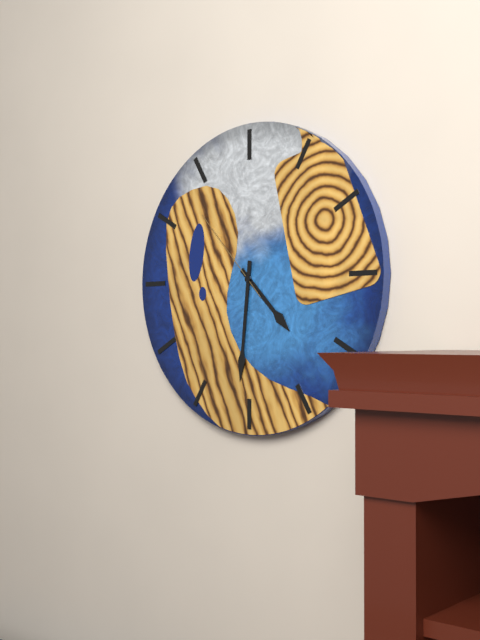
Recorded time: **4:31:53**
